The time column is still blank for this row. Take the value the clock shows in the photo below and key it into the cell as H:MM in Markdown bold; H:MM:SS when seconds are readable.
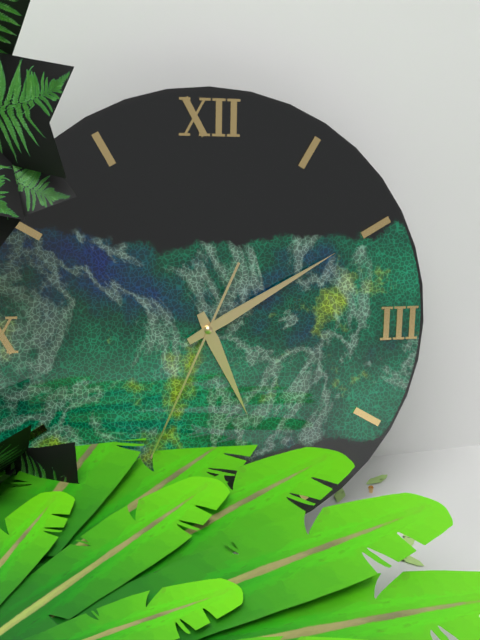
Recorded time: **5:10:34**
